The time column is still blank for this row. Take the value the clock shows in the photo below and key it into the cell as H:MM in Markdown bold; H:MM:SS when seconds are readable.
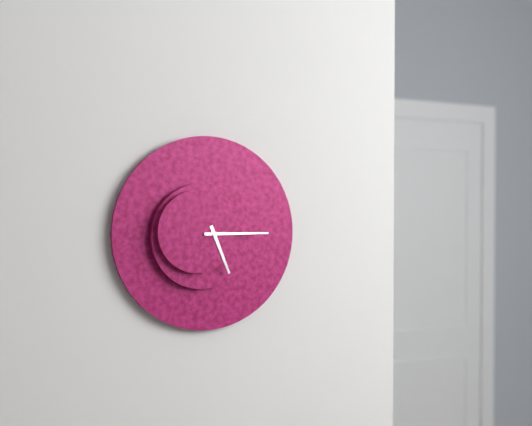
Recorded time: **5:15**
